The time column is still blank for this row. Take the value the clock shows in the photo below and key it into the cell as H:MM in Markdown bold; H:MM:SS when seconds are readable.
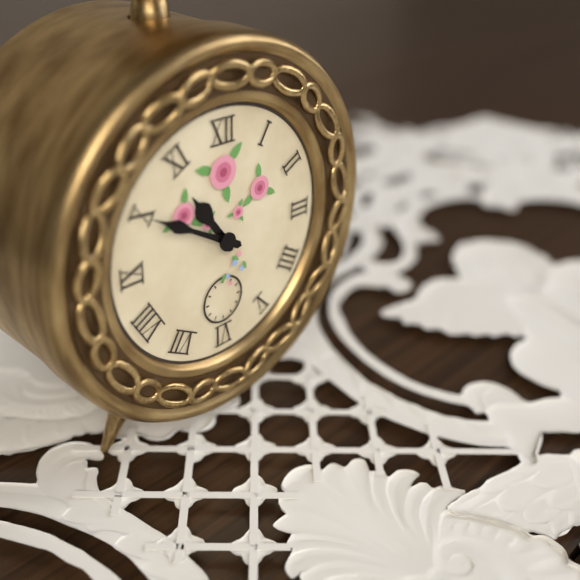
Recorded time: **10:50**
